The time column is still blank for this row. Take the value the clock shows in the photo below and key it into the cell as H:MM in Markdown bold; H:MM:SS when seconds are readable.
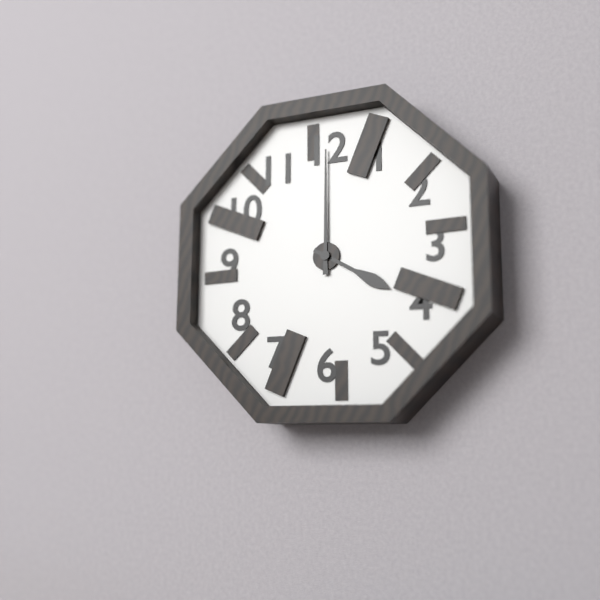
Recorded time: **4:00**
